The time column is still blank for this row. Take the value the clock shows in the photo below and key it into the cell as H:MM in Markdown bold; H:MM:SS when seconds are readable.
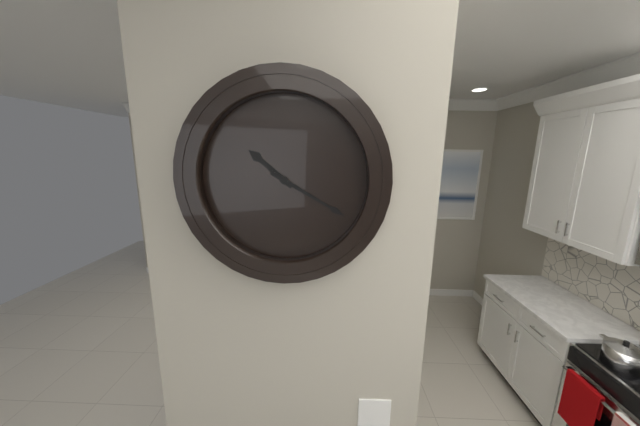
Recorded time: **10:20**
